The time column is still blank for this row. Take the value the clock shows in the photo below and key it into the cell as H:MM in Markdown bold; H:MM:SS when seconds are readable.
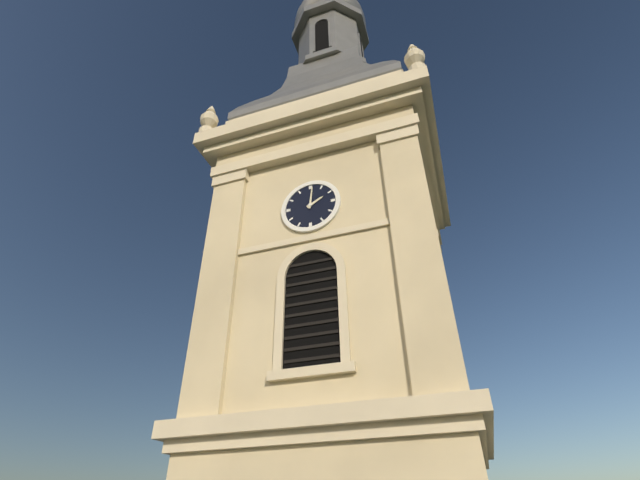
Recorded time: **2:01**
